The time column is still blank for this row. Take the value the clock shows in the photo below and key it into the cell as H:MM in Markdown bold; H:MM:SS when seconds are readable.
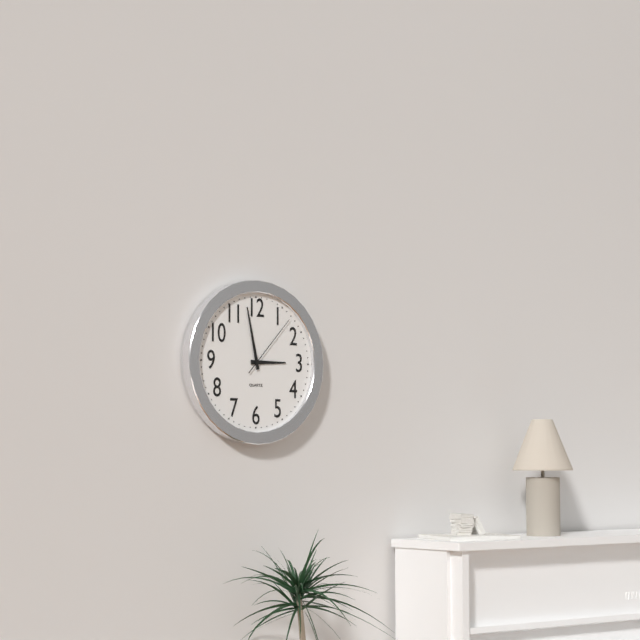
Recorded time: **2:58:07**
